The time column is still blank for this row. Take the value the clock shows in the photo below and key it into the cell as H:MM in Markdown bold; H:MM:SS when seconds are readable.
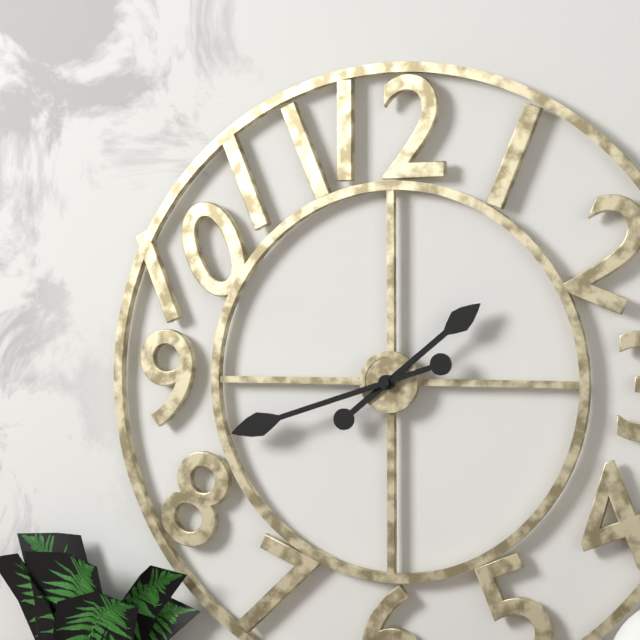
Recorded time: **1:42**
